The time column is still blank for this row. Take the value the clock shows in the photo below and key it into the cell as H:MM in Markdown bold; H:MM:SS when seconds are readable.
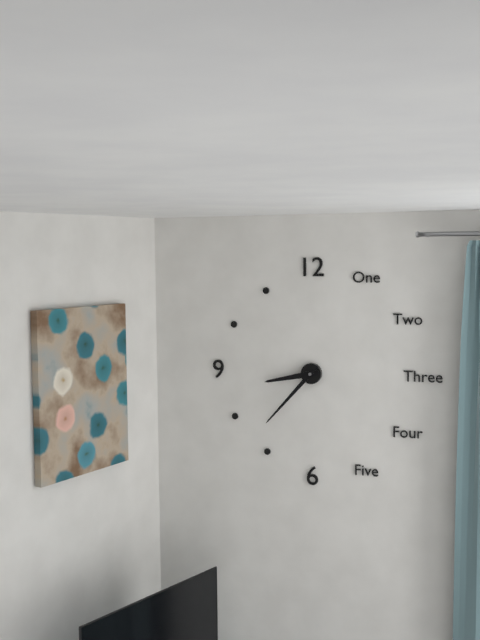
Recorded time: **8:37**
